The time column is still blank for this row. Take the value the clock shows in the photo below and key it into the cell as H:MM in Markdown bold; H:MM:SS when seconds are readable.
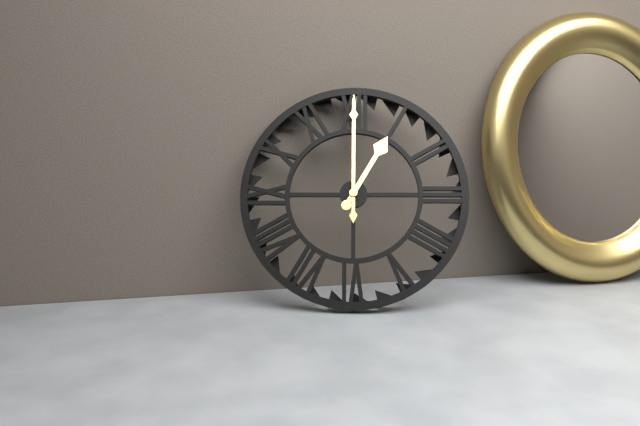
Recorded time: **1:00**
